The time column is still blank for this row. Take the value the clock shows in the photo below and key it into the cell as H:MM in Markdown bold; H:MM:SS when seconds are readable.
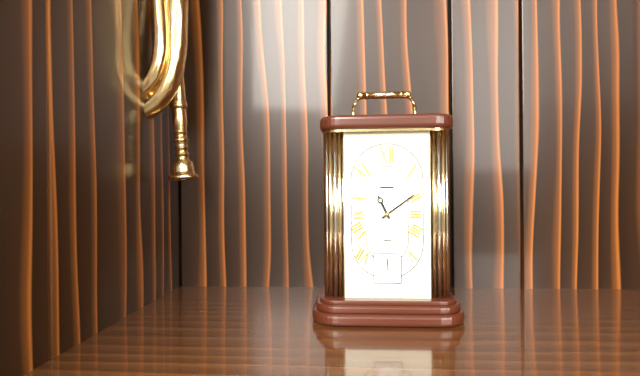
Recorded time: **11:09**
